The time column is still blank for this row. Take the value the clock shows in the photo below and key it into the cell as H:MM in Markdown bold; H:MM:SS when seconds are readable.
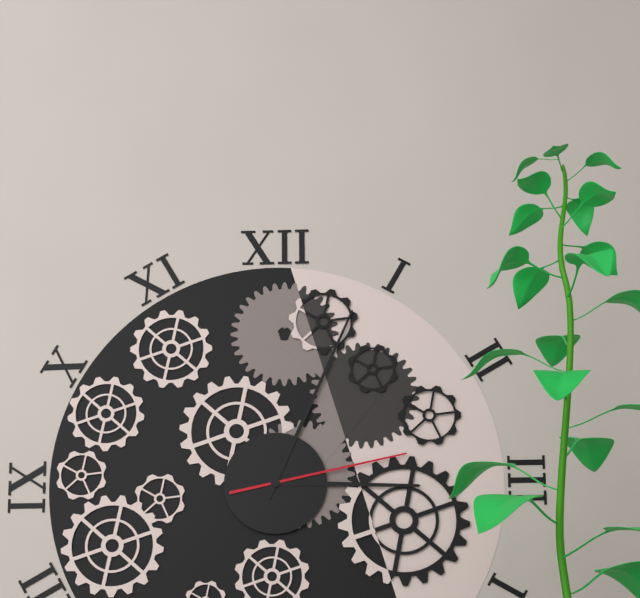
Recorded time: **3:04:13**
